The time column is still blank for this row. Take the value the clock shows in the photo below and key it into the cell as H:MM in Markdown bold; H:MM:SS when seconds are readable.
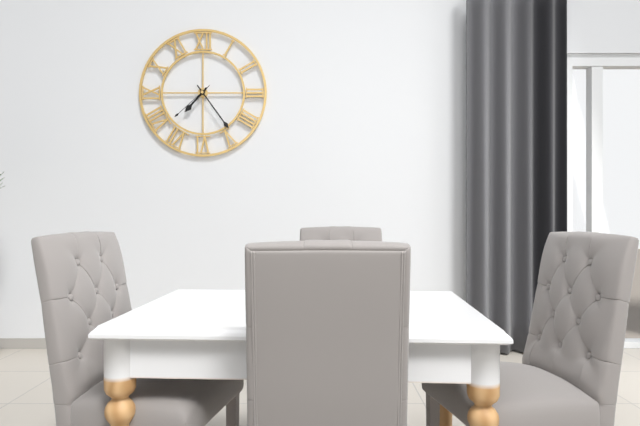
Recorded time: **7:24**
